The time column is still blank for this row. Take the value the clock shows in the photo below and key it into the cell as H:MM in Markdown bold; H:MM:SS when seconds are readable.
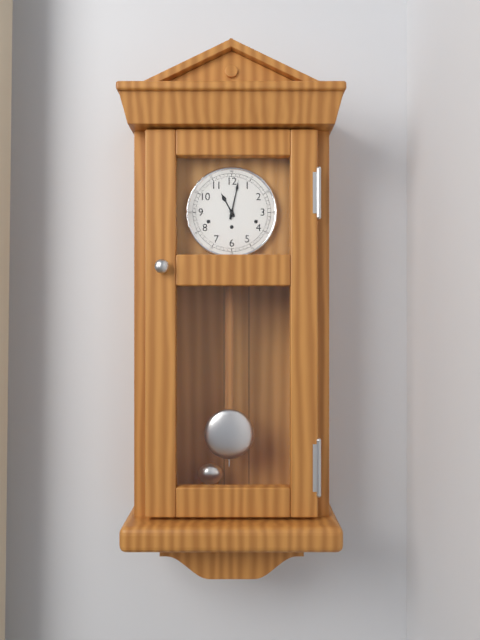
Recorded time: **11:02**
